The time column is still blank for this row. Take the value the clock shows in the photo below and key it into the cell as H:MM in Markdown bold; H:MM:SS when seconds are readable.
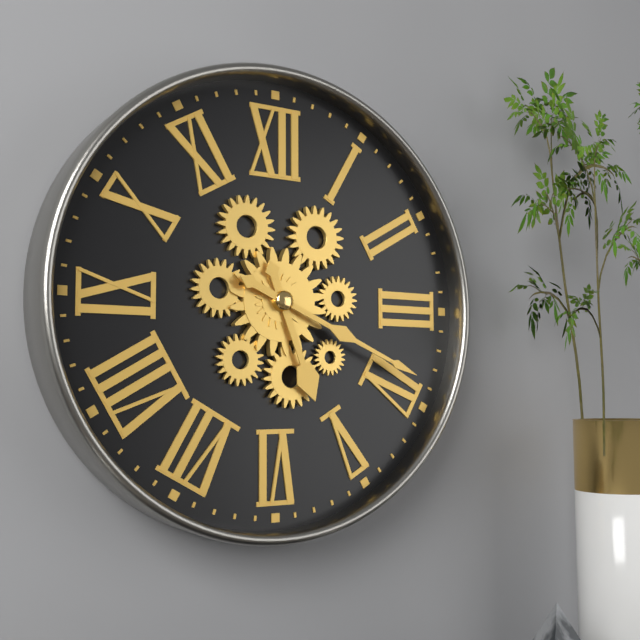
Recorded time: **5:19**
